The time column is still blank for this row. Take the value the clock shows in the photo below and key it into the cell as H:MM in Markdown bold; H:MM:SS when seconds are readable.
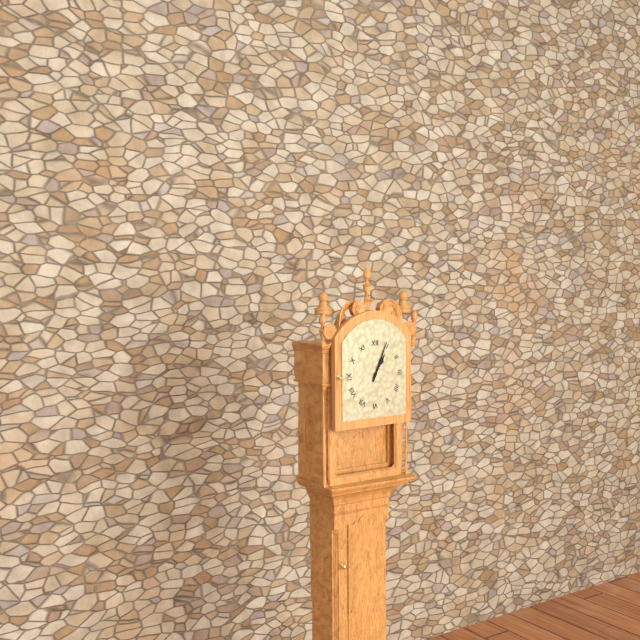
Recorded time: **1:04**
